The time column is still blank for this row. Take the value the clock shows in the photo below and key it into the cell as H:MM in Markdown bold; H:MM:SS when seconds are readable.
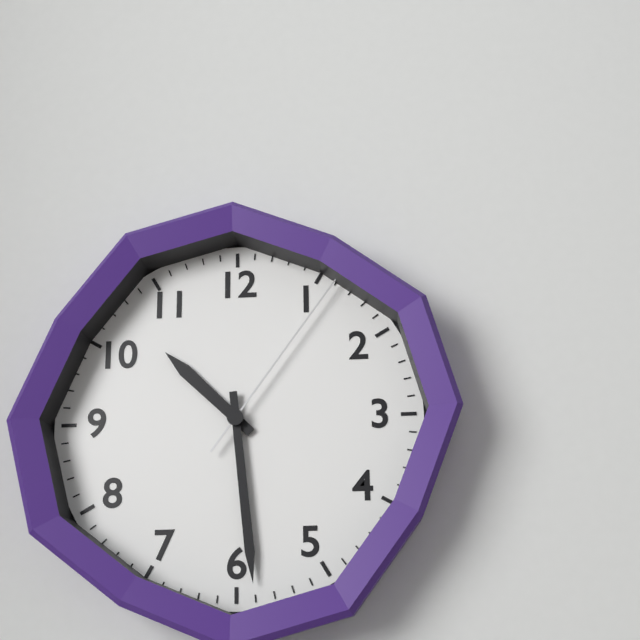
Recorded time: **10:29:06**
